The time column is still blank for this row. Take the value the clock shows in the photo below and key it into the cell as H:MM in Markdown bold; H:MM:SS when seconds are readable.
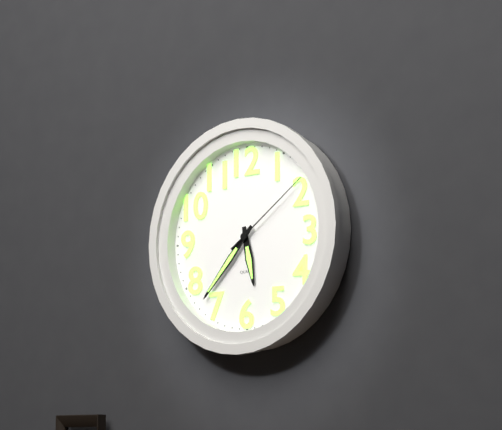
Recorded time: **5:37:09**
